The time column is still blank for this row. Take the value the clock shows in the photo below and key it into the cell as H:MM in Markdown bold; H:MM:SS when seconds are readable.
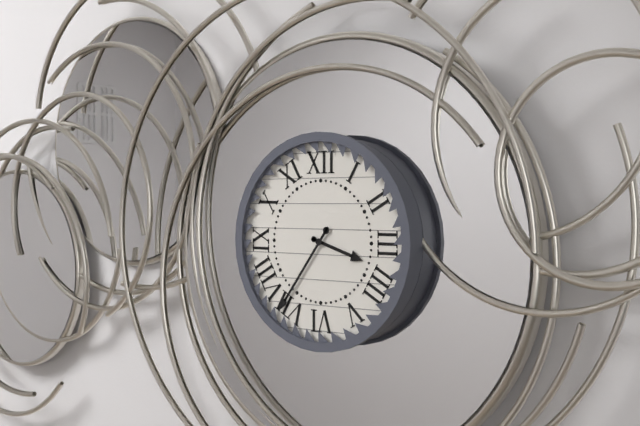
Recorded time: **3:36**
